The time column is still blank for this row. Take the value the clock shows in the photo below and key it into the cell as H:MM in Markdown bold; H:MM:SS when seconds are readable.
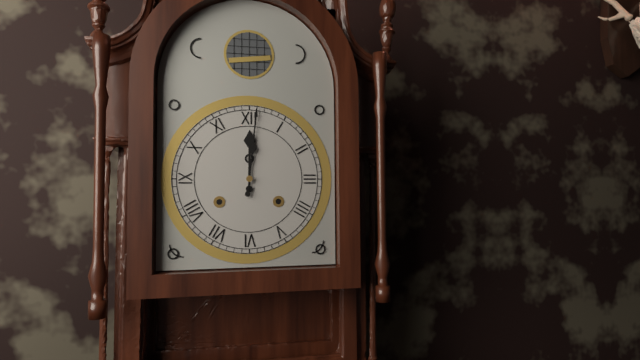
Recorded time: **12:01**
